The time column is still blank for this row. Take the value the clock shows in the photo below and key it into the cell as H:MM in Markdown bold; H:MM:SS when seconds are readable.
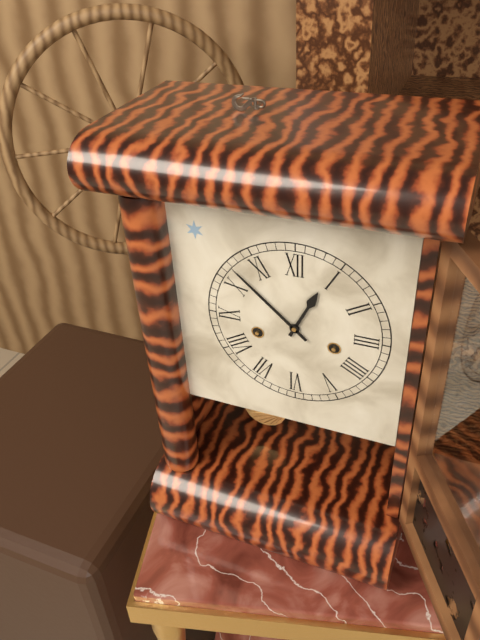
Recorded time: **12:52**
